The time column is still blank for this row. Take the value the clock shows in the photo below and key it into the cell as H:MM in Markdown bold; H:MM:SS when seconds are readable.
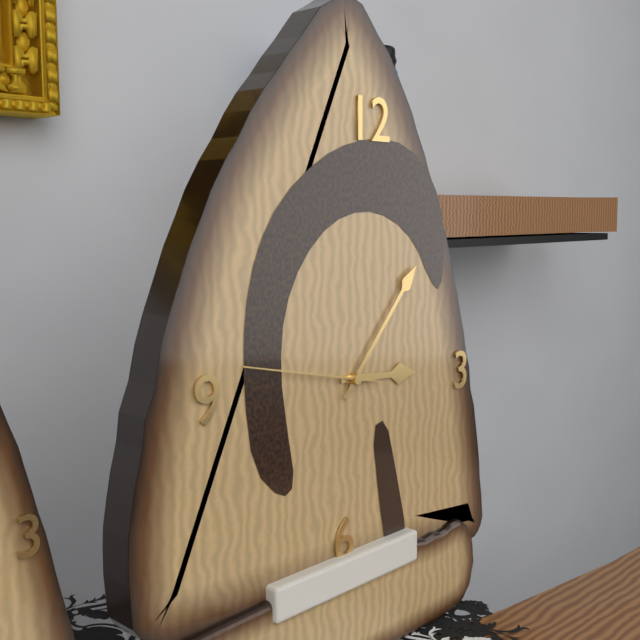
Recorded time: **3:07:47**
